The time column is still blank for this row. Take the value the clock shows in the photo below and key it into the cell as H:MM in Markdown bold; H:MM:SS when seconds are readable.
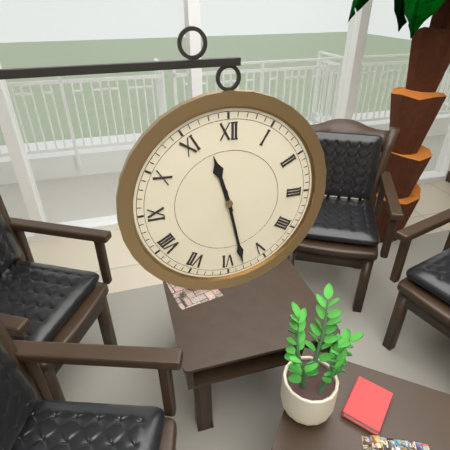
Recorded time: **11:28**
